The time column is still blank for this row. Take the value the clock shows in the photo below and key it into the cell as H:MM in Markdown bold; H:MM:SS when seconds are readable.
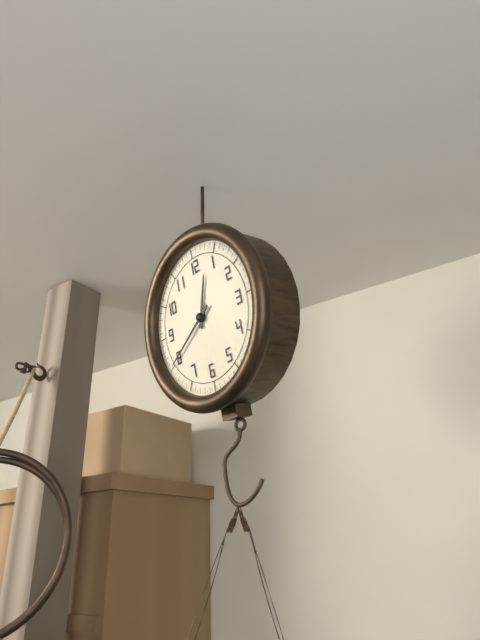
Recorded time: **12:40**
